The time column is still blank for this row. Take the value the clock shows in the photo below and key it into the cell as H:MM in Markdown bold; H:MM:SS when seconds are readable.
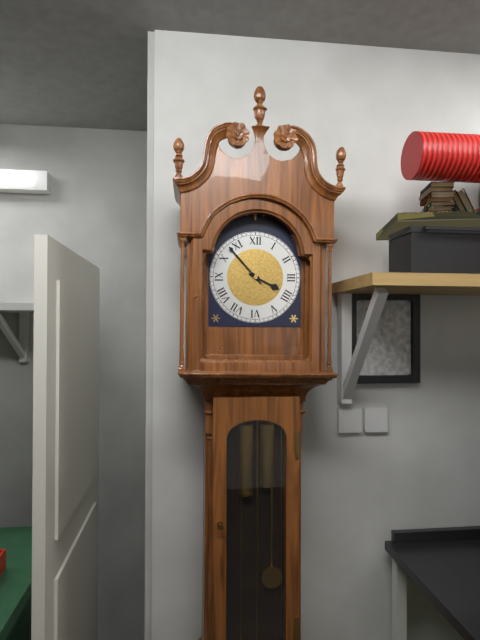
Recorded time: **3:53**
